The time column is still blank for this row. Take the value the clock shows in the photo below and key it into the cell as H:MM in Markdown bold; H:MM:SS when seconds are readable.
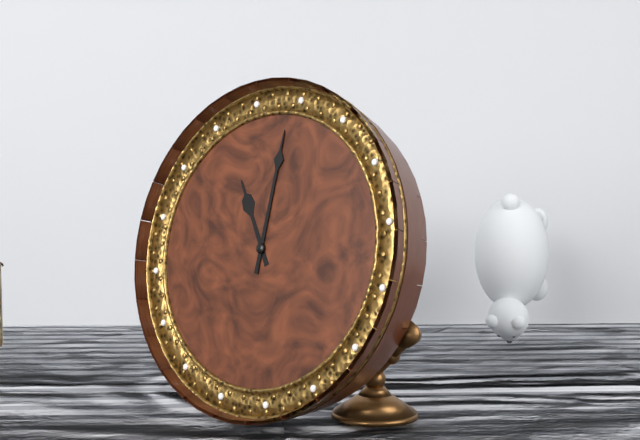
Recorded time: **11:01**
